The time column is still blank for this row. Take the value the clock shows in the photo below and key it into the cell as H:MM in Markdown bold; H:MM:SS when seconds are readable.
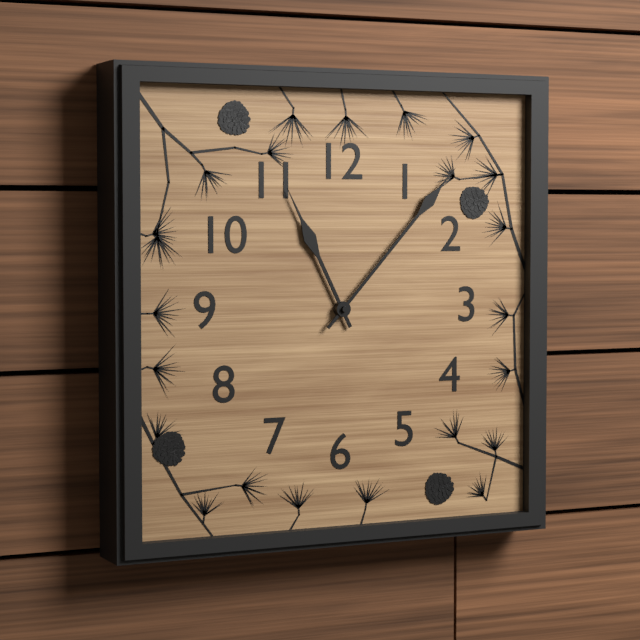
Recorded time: **11:07**
